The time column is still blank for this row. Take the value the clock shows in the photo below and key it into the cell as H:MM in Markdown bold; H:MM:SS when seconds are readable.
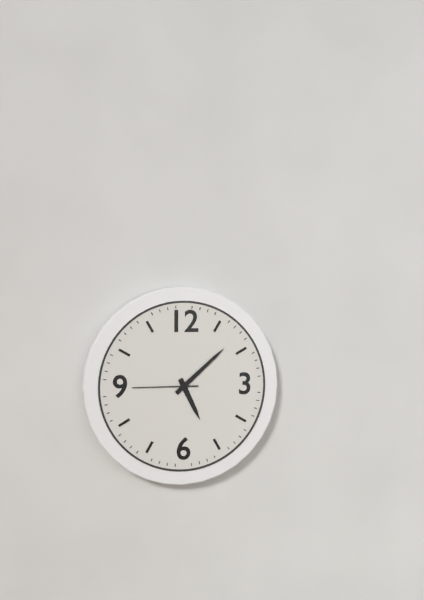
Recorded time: **5:08:45**
